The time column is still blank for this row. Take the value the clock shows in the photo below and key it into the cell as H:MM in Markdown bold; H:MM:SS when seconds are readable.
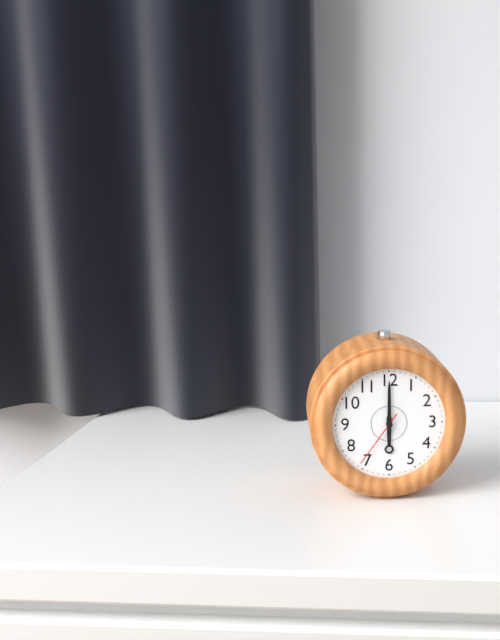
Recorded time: **6:00:36**
